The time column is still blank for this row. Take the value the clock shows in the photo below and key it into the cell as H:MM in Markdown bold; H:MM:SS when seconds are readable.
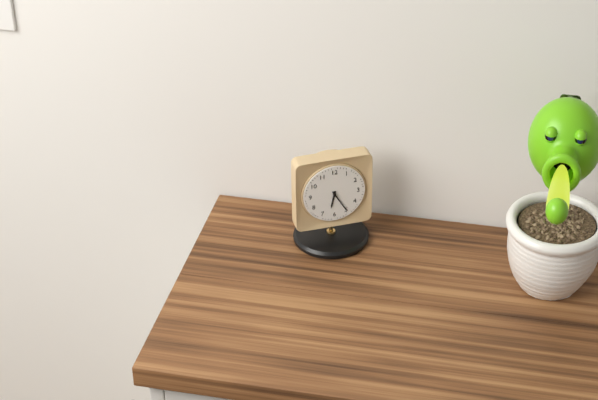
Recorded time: **6:25**
